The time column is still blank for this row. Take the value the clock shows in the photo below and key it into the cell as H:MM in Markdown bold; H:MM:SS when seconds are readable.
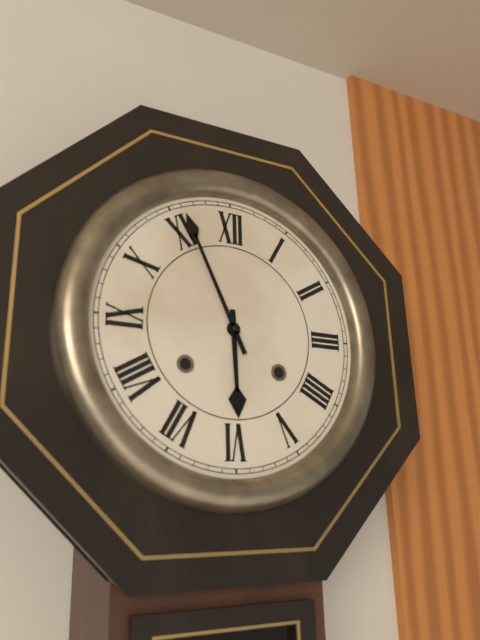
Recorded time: **5:56**
